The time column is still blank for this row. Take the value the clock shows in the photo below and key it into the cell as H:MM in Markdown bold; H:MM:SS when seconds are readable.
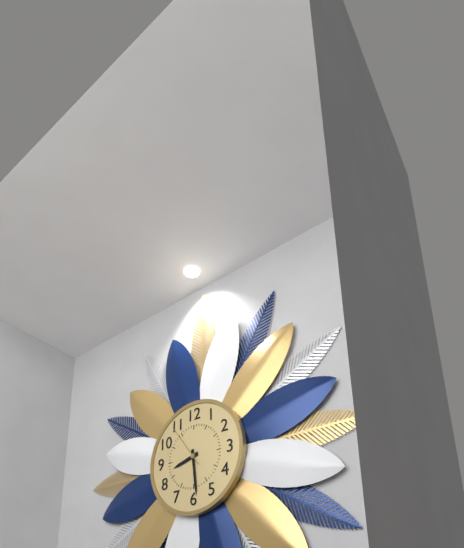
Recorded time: **8:29:54**
